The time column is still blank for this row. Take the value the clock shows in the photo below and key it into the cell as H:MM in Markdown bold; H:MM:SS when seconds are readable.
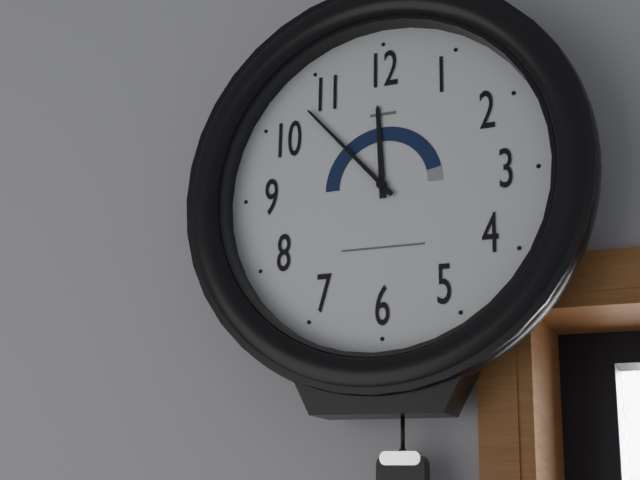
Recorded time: **11:53**
